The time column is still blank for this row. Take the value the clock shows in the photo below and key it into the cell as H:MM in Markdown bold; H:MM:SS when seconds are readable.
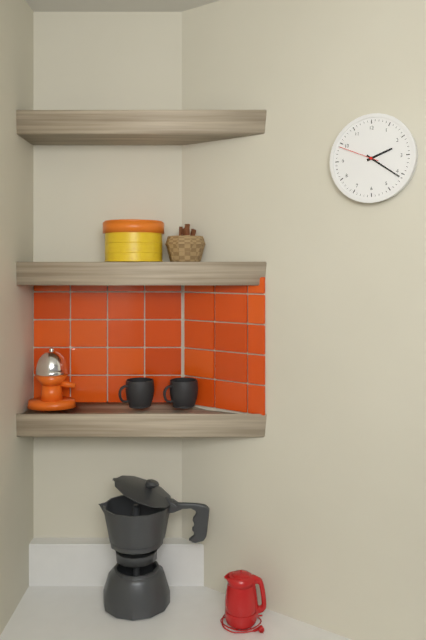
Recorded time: **2:21**
